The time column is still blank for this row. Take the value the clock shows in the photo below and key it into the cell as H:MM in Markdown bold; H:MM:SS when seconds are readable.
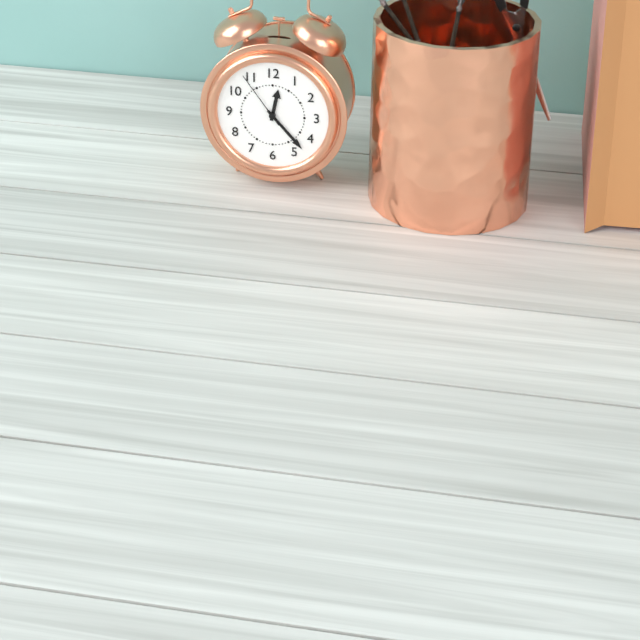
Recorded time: **12:23:54**
